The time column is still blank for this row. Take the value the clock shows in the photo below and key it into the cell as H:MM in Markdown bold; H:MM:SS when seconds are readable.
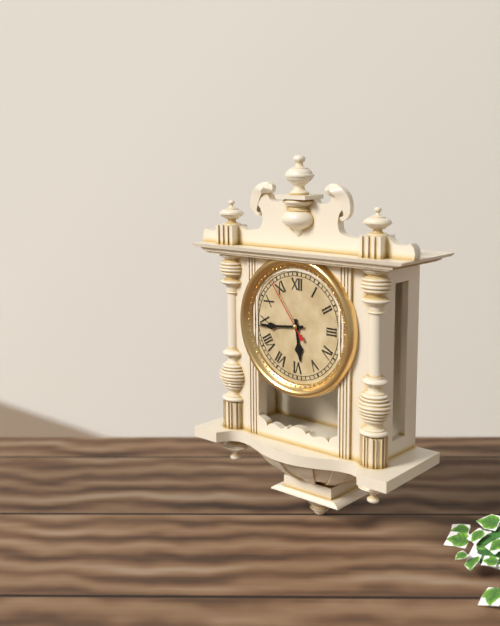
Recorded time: **5:44:54**
